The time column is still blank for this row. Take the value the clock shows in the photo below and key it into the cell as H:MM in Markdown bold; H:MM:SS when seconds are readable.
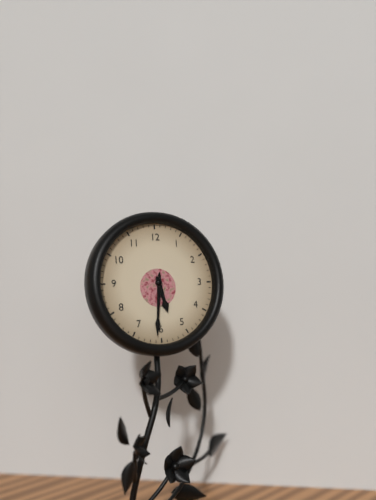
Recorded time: **5:31**
